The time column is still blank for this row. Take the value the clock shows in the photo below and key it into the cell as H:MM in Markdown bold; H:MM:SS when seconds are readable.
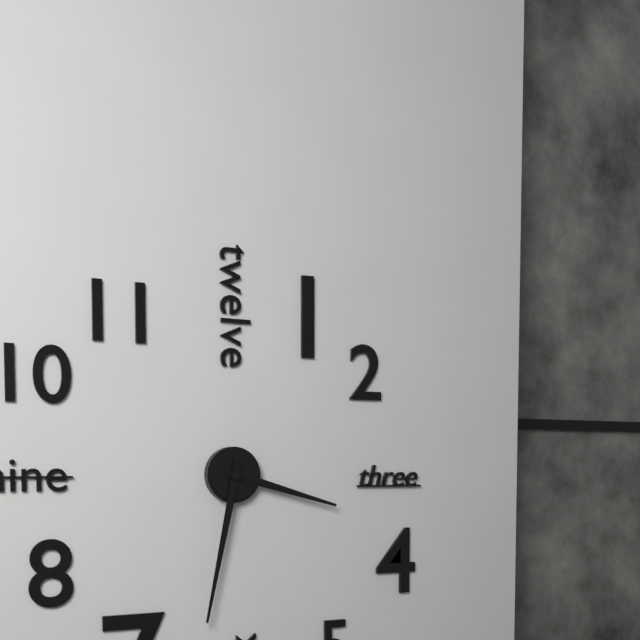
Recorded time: **3:32**
